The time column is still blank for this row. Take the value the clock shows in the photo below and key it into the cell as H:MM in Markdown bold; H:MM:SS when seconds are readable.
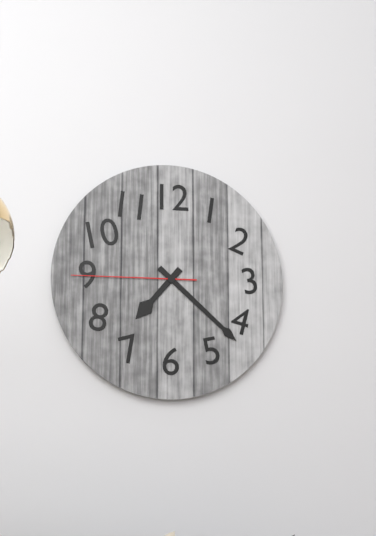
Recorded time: **7:22:45**
